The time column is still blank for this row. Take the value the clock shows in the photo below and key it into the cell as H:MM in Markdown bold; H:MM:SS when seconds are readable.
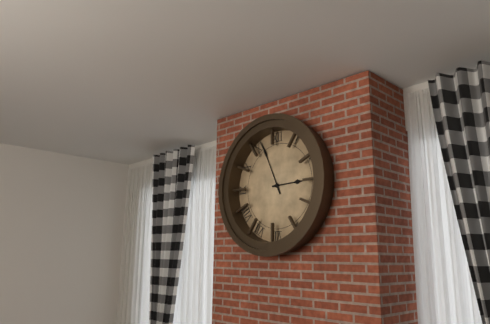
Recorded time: **2:56**
